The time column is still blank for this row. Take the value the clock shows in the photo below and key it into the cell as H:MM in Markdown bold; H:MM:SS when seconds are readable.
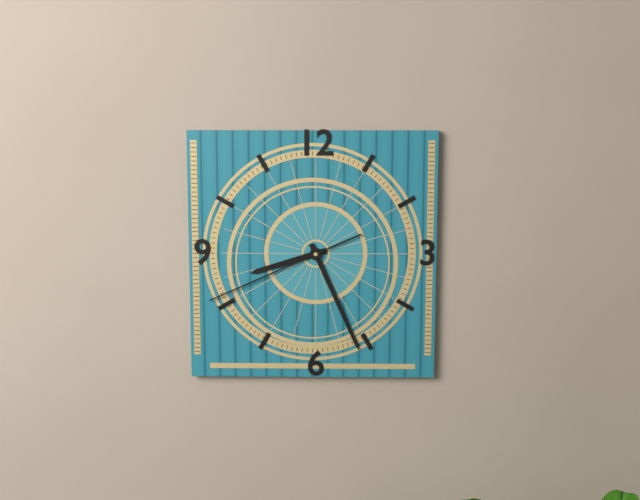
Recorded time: **8:26:41**
